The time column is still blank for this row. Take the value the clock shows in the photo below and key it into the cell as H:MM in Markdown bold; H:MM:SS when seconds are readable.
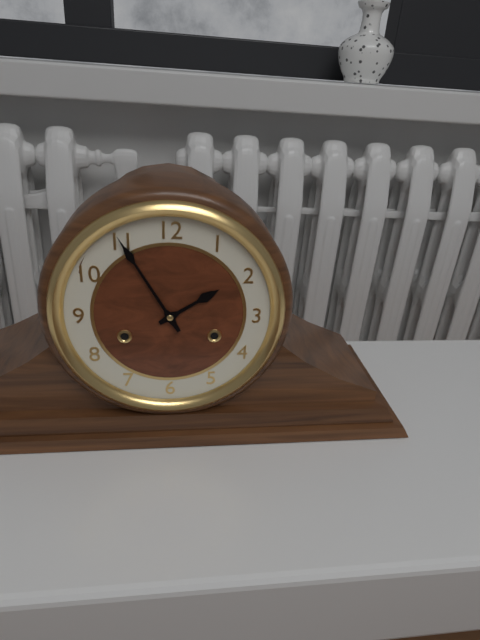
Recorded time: **1:55**
